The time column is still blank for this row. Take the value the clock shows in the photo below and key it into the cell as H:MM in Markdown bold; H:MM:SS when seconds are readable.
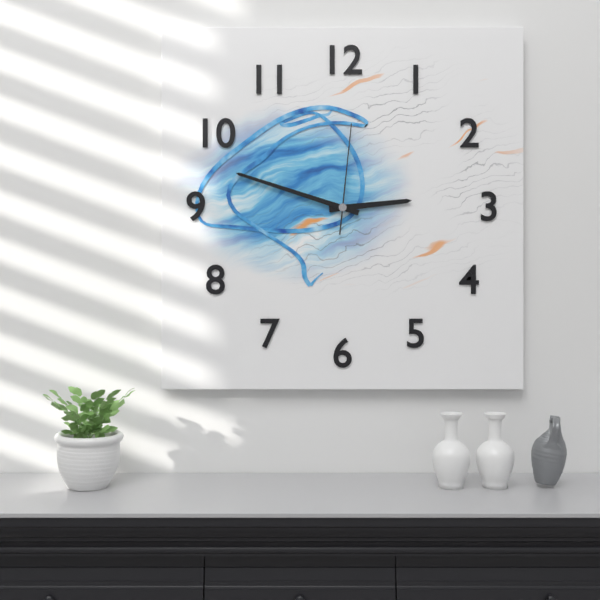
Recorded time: **2:48:01**
